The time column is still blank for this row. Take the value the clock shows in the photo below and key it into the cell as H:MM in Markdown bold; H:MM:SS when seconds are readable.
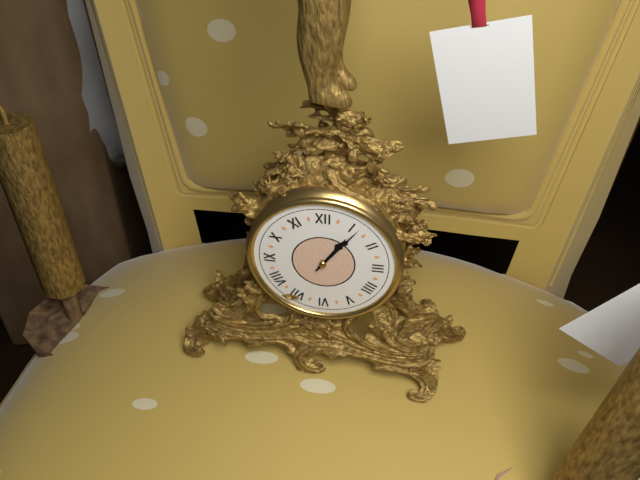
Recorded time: **1:06**
